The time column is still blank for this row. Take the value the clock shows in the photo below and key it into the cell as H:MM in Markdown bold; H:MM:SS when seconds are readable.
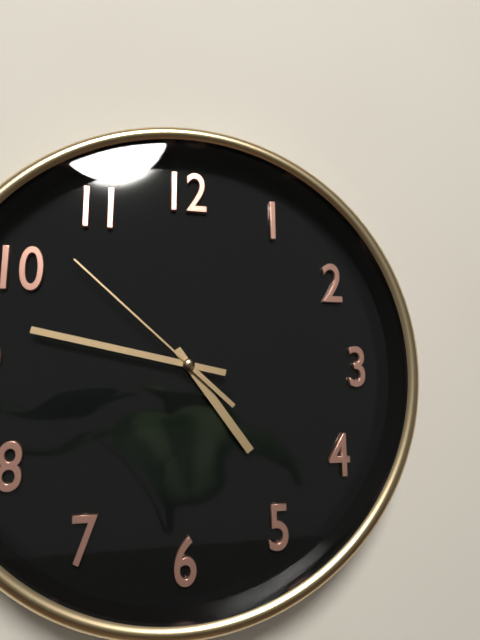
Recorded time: **4:47:52**
